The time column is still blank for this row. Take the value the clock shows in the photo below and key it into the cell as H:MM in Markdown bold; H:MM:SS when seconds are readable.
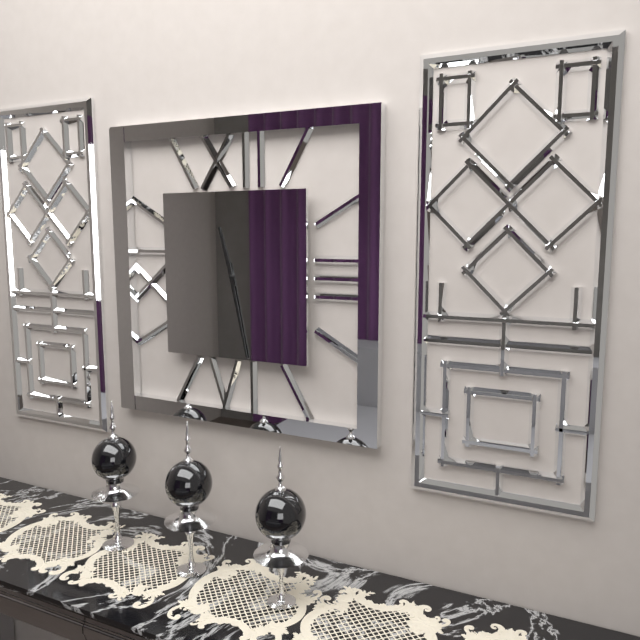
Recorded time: **11:28**
